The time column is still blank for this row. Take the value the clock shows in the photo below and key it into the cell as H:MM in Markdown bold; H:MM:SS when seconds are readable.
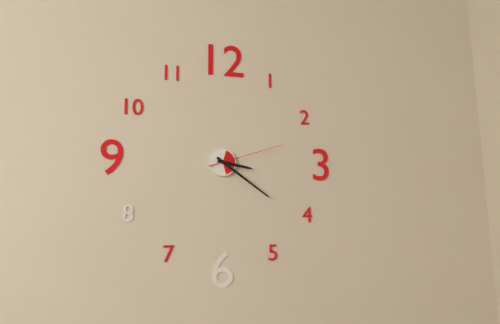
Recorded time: **3:21:12**
